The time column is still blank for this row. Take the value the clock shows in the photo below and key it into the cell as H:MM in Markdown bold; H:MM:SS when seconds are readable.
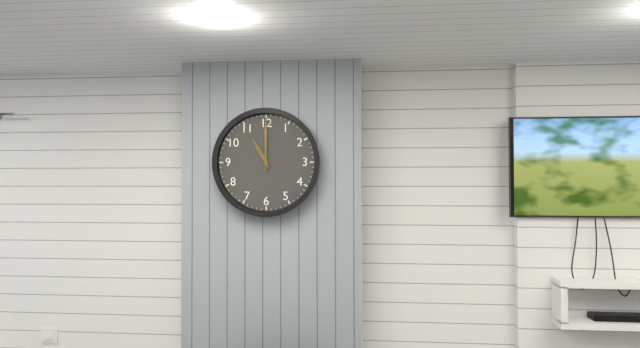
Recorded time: **11:00**
